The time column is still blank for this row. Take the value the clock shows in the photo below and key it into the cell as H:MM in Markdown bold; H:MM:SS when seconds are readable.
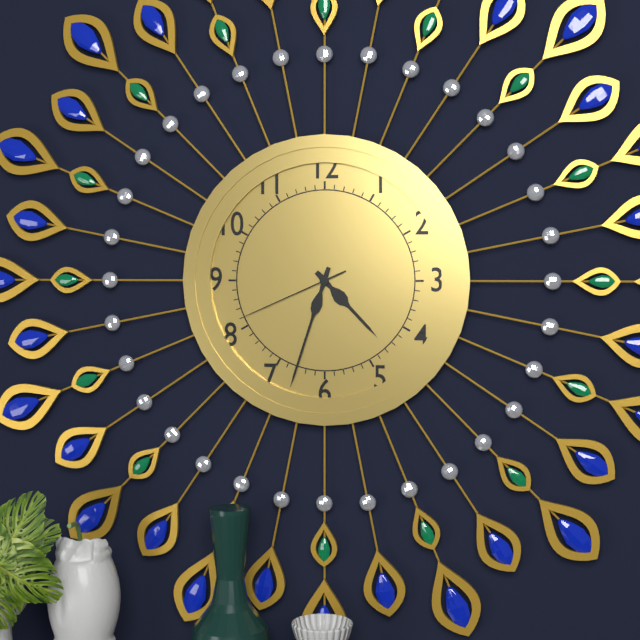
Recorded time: **4:33:41**
